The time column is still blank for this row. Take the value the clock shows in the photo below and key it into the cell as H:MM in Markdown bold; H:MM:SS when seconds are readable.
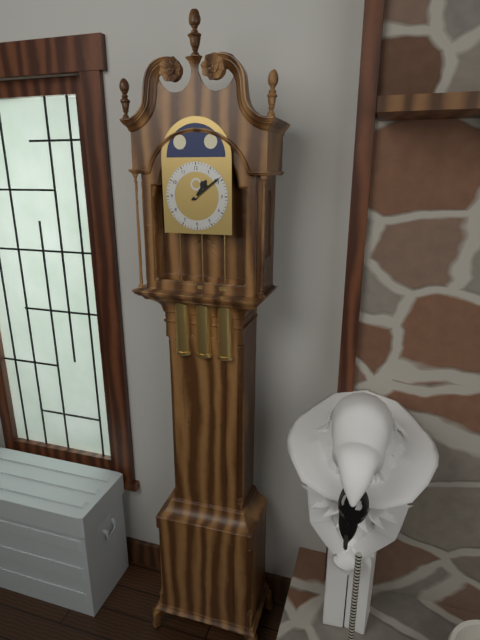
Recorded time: **1:09**
